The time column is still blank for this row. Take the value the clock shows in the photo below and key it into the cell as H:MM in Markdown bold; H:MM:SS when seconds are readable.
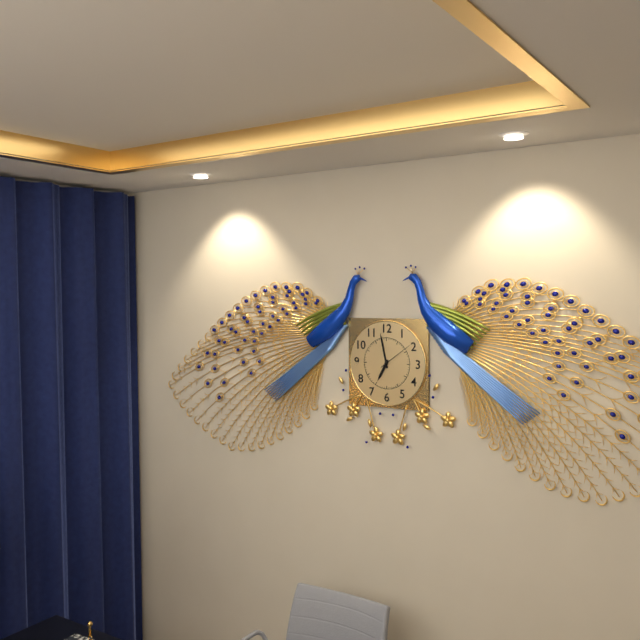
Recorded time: **6:58**
